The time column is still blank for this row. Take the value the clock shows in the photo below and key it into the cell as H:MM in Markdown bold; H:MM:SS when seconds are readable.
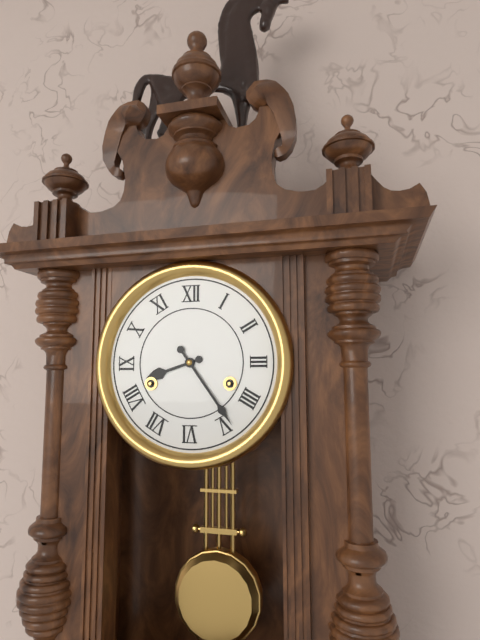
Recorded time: **8:24**
